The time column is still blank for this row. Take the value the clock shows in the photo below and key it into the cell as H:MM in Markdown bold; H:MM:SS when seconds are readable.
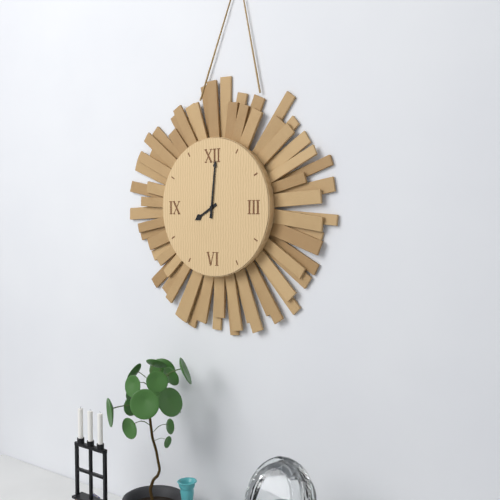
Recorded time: **8:01**
